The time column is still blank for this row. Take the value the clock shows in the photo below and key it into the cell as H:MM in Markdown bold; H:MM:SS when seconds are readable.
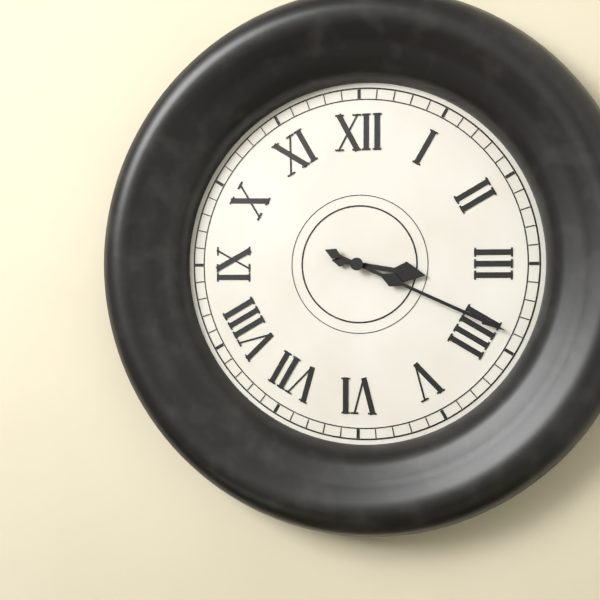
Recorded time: **3:19**
